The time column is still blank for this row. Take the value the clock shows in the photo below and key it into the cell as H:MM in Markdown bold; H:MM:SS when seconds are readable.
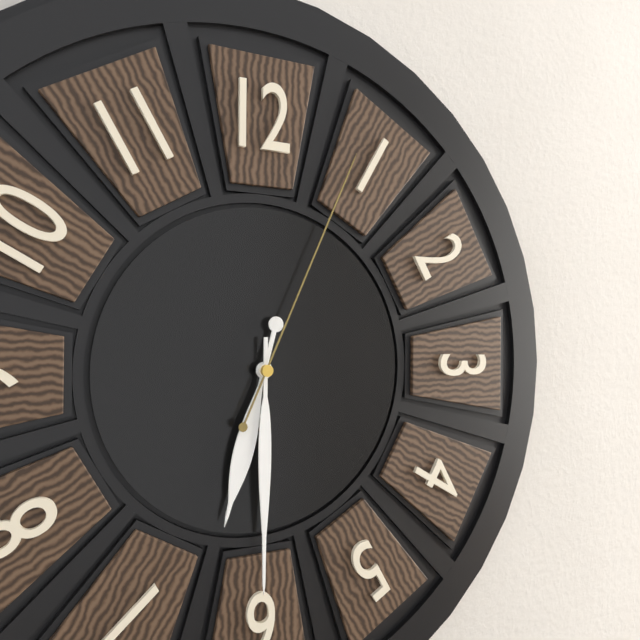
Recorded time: **6:30:04**
